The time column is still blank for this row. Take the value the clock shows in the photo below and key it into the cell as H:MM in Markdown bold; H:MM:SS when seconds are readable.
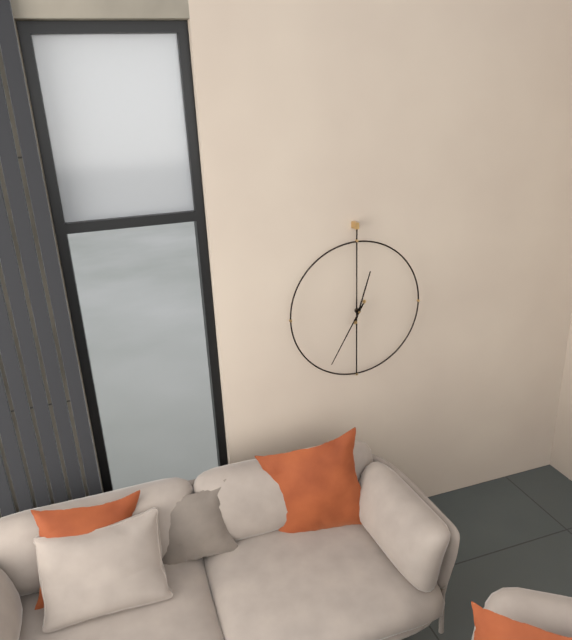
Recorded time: **12:35**
